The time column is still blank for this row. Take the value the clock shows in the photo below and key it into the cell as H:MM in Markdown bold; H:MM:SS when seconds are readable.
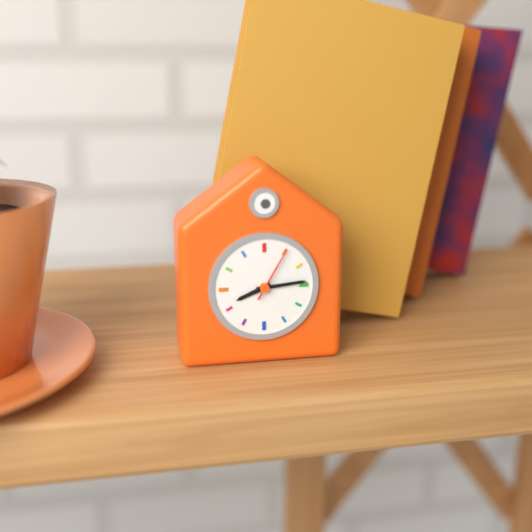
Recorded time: **8:14:05**
